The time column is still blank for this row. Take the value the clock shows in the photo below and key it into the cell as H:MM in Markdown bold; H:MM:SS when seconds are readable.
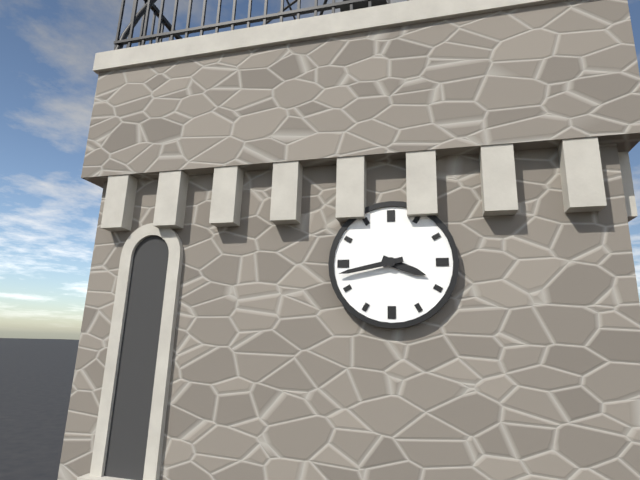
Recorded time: **3:43**
